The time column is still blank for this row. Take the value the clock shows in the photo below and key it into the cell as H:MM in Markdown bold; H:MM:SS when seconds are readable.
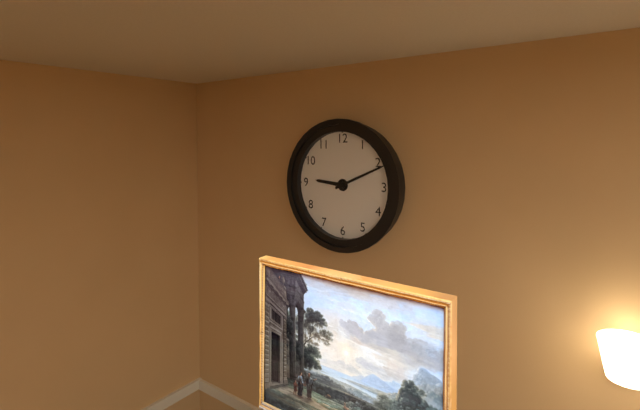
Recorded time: **9:11**
